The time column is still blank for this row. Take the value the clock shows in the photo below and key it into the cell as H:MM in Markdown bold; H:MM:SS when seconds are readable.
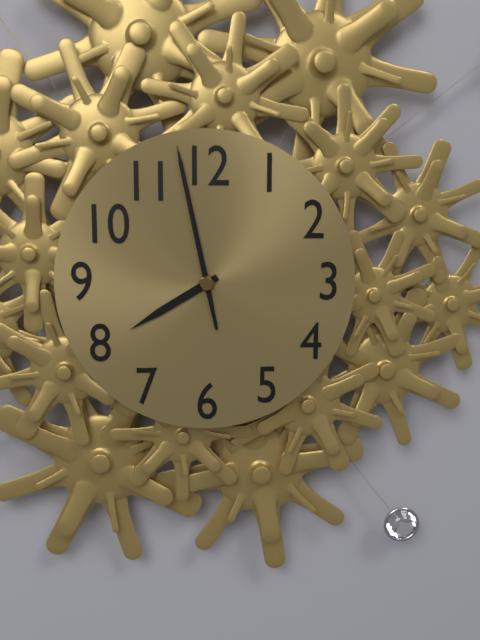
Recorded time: **7:58**
